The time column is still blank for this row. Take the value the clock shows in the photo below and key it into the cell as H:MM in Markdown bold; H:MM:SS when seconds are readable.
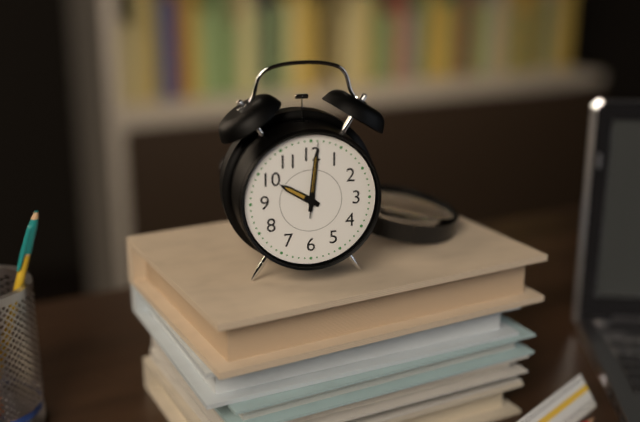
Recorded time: **10:01:01**
